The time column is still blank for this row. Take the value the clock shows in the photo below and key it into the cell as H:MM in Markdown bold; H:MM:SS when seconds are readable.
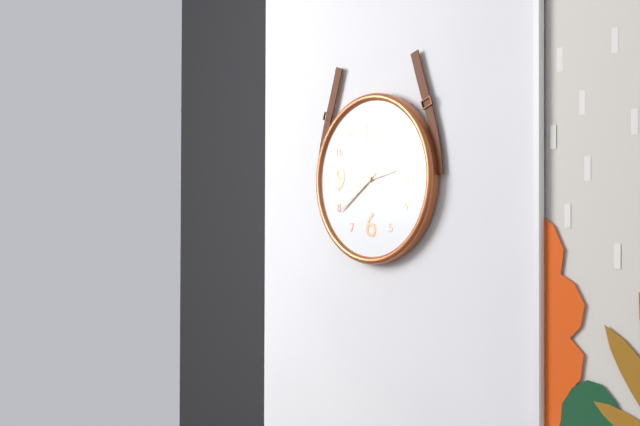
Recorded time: **2:39:01**
